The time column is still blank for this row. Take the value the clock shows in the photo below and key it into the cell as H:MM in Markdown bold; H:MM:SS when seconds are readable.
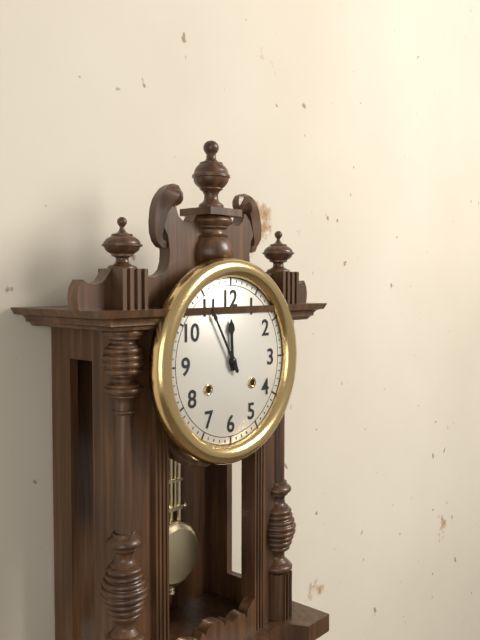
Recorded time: **11:55**
